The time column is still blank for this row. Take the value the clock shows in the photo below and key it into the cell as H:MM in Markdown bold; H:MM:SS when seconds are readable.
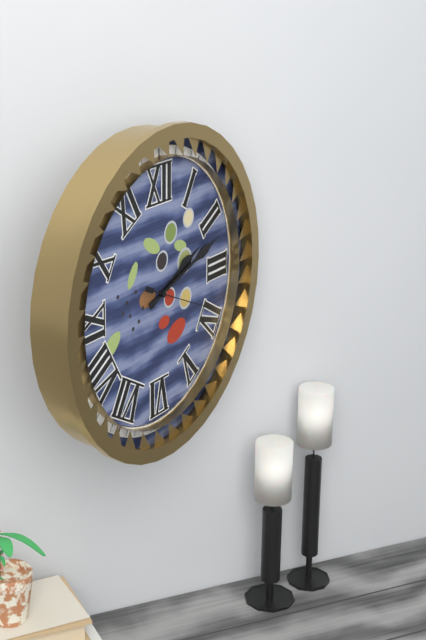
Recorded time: **2:12:19**
